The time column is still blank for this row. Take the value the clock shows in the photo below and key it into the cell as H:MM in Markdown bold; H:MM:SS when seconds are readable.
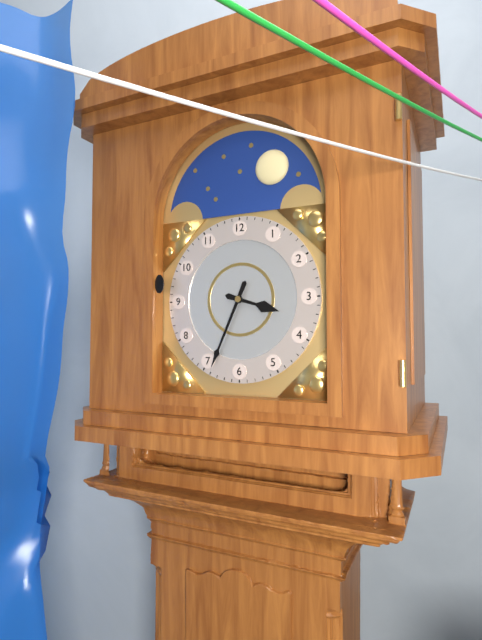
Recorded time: **3:34**
